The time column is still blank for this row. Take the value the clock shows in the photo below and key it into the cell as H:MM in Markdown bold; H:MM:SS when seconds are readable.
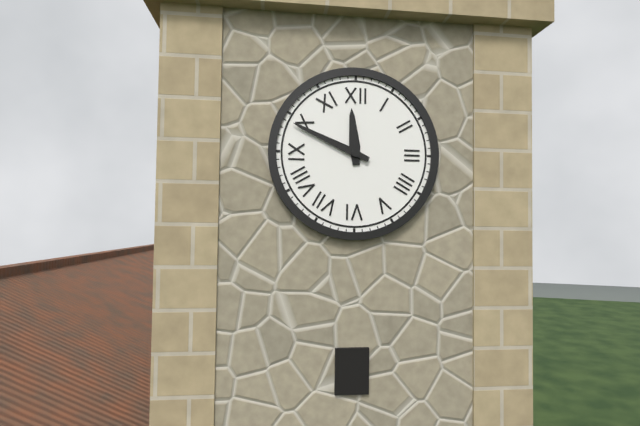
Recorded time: **11:49**
